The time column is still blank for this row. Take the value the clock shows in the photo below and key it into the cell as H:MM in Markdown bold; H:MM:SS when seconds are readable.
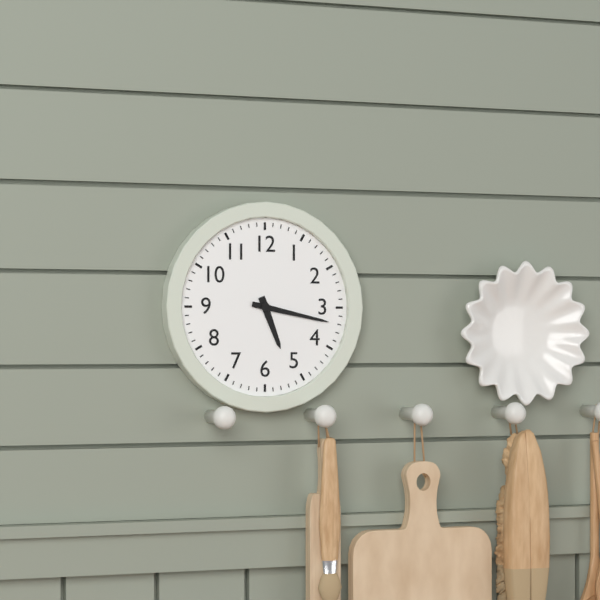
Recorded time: **5:17**
